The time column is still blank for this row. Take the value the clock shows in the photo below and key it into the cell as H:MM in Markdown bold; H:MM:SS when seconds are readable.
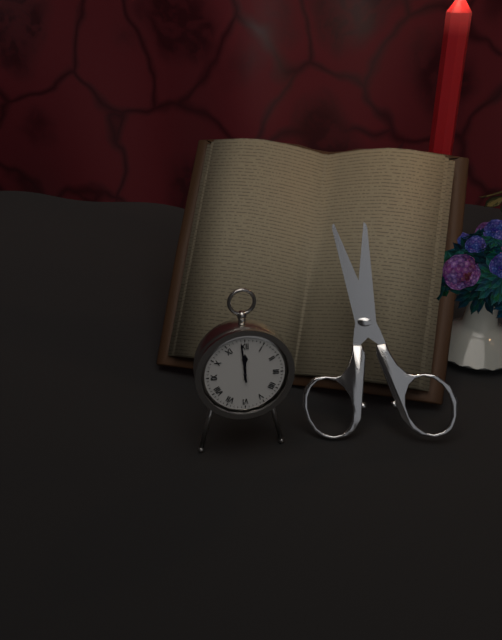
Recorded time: **11:59**
